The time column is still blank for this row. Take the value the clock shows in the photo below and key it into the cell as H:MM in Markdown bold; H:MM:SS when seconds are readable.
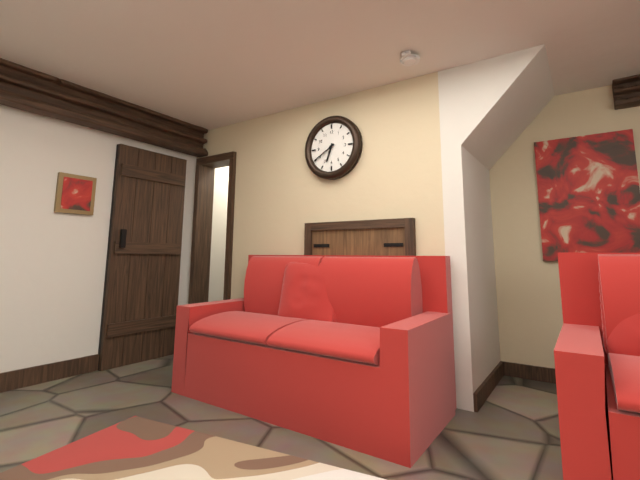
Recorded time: **6:40**
